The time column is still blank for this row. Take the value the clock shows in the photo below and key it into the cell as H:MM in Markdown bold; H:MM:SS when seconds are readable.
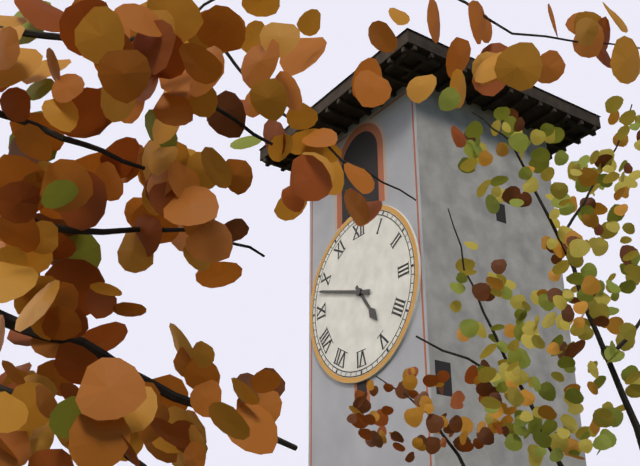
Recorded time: **4:48**
